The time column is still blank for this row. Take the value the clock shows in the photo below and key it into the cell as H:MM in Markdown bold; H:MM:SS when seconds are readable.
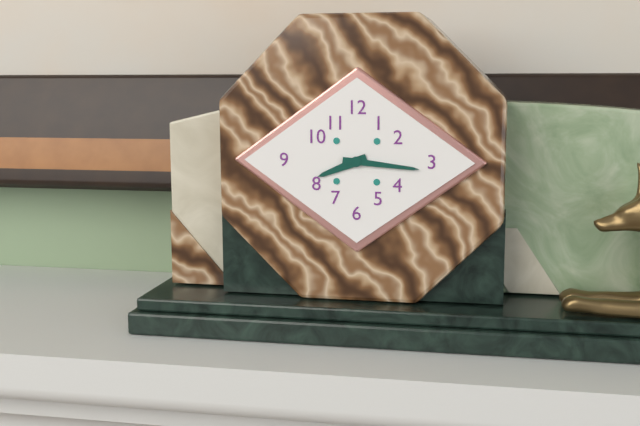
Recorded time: **8:16**
